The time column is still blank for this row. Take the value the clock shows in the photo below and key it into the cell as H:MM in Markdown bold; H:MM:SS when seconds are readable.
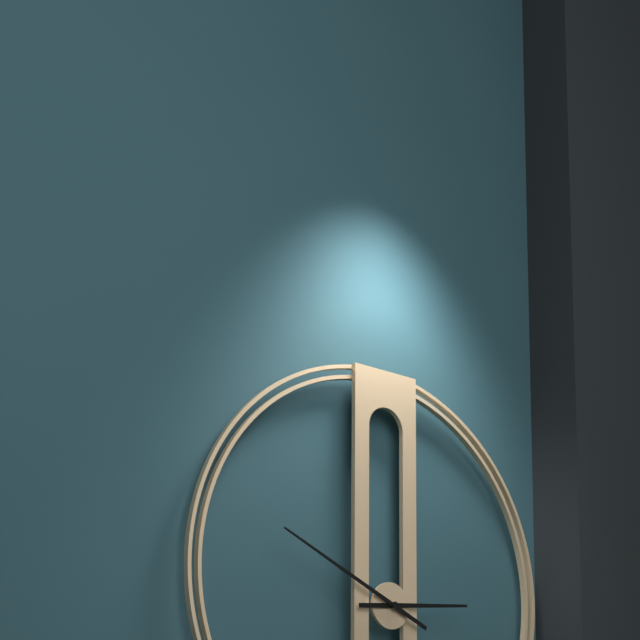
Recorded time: **2:49**
